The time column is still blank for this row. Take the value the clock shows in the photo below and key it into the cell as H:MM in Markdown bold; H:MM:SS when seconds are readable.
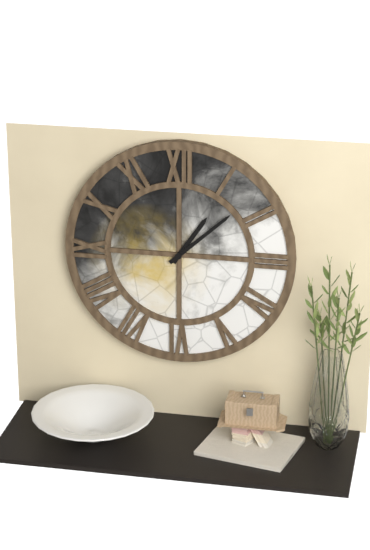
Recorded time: **1:08**
